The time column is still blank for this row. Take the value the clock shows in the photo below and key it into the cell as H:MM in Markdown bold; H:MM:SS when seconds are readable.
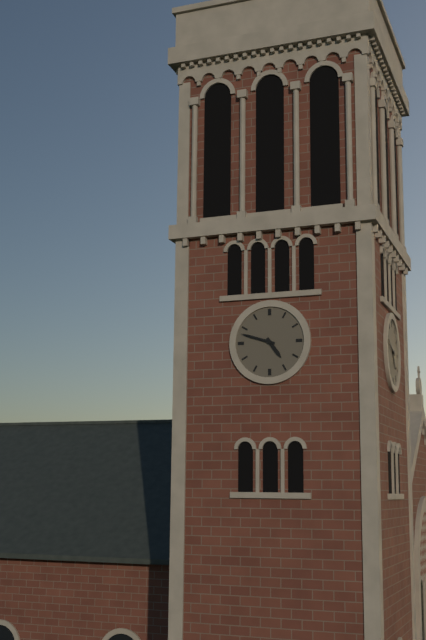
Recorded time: **4:48**
